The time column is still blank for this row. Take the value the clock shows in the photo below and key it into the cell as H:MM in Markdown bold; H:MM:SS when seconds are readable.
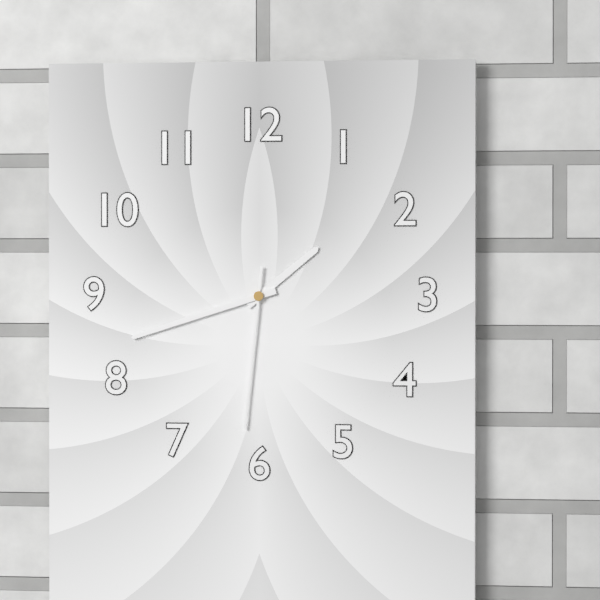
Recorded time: **1:42:31**
